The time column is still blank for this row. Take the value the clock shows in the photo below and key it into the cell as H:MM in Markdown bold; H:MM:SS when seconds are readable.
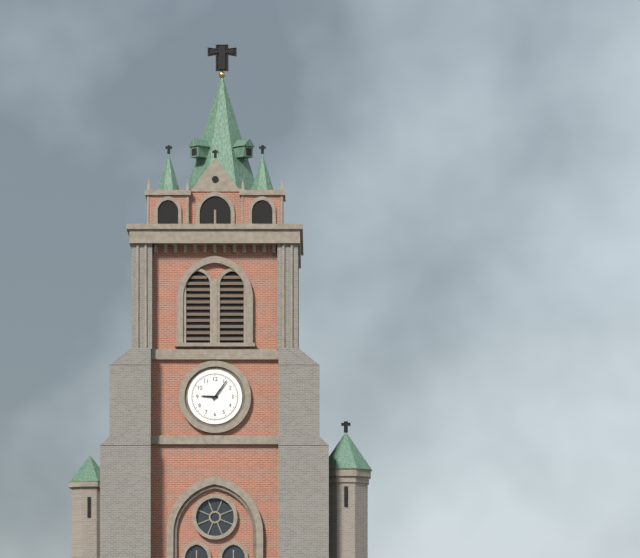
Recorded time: **9:06**
